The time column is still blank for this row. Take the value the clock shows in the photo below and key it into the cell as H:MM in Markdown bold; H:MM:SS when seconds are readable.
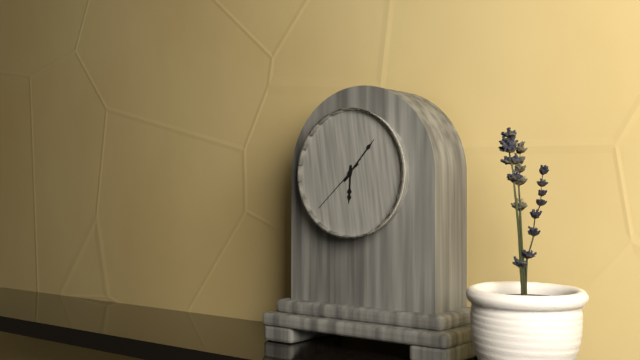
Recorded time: **6:07:38**
